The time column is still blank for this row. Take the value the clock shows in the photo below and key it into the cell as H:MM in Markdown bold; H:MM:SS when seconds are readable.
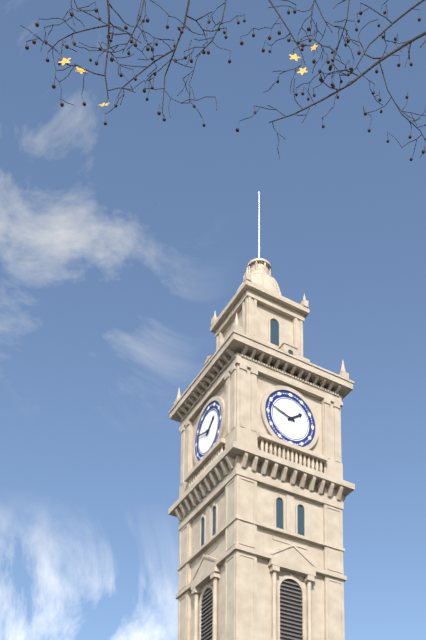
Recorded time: **1:48**
